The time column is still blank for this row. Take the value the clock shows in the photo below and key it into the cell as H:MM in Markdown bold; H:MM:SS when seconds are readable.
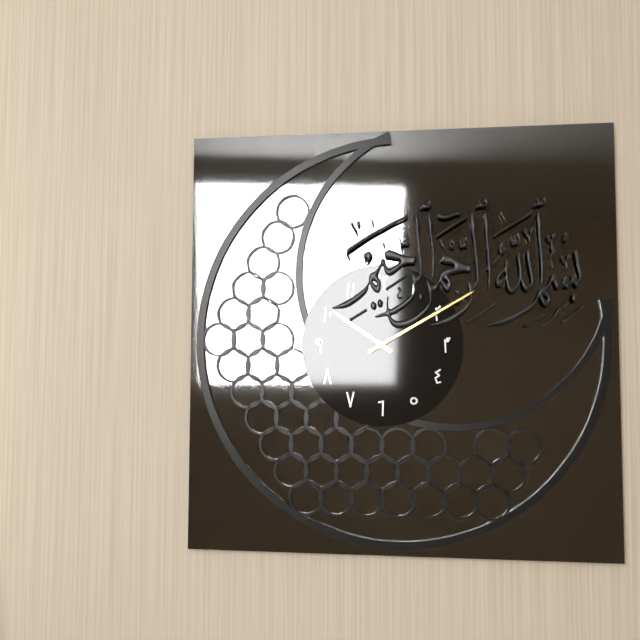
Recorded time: **10:10**
